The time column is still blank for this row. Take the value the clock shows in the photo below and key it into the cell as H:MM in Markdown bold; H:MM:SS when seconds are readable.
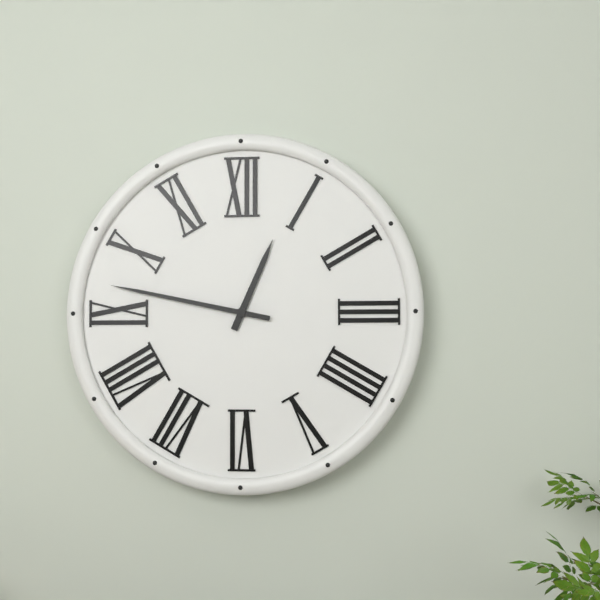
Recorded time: **12:47**
